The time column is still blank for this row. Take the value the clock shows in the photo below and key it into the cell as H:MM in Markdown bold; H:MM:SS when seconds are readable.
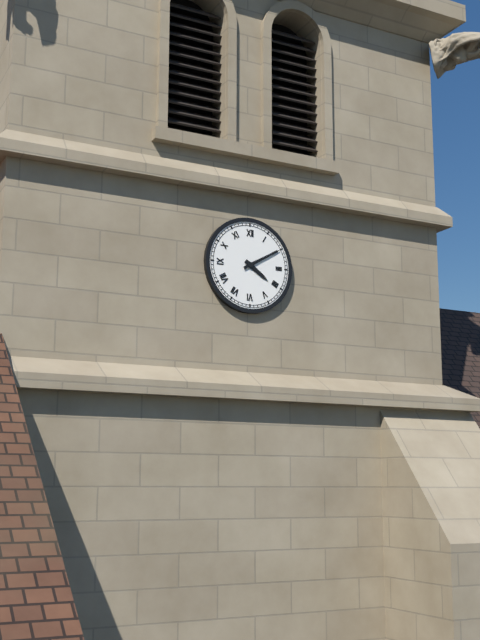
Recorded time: **4:10**
